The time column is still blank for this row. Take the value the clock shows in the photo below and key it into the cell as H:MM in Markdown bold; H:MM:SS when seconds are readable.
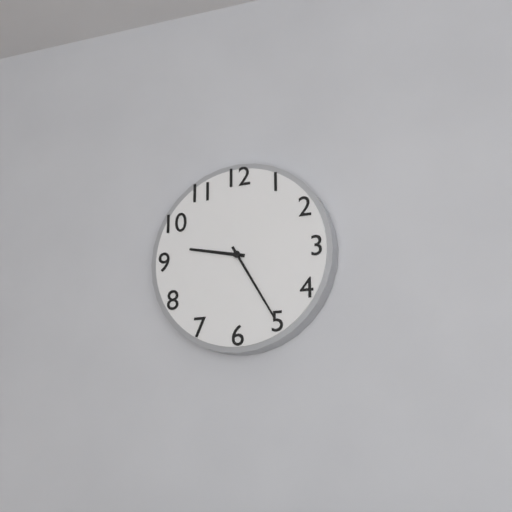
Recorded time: **9:25**
